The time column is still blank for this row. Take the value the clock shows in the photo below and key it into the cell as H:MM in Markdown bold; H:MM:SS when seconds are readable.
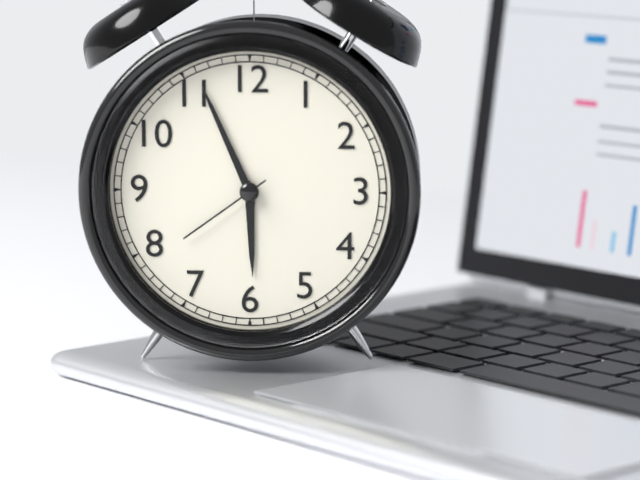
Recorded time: **5:56:39**
